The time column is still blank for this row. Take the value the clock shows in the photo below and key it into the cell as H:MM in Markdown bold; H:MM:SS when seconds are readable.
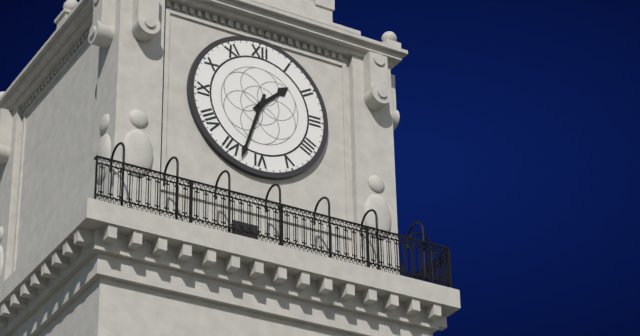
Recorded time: **1:33**
